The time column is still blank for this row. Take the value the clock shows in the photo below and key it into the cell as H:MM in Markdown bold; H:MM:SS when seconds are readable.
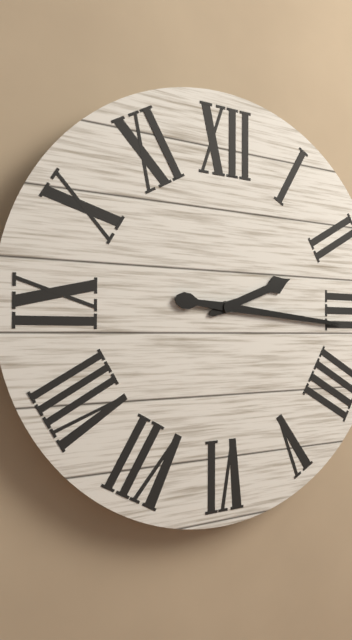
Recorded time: **2:16**
